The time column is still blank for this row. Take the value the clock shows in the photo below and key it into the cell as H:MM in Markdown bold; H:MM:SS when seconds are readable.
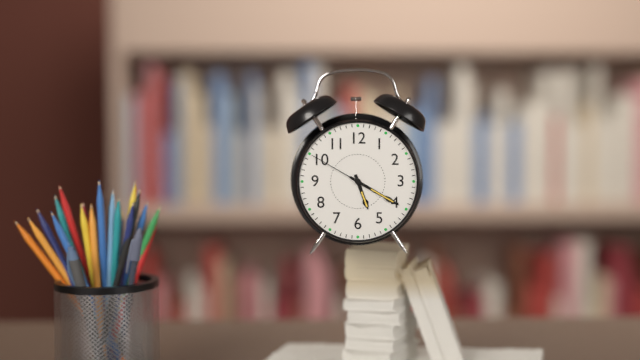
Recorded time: **5:20:50**
